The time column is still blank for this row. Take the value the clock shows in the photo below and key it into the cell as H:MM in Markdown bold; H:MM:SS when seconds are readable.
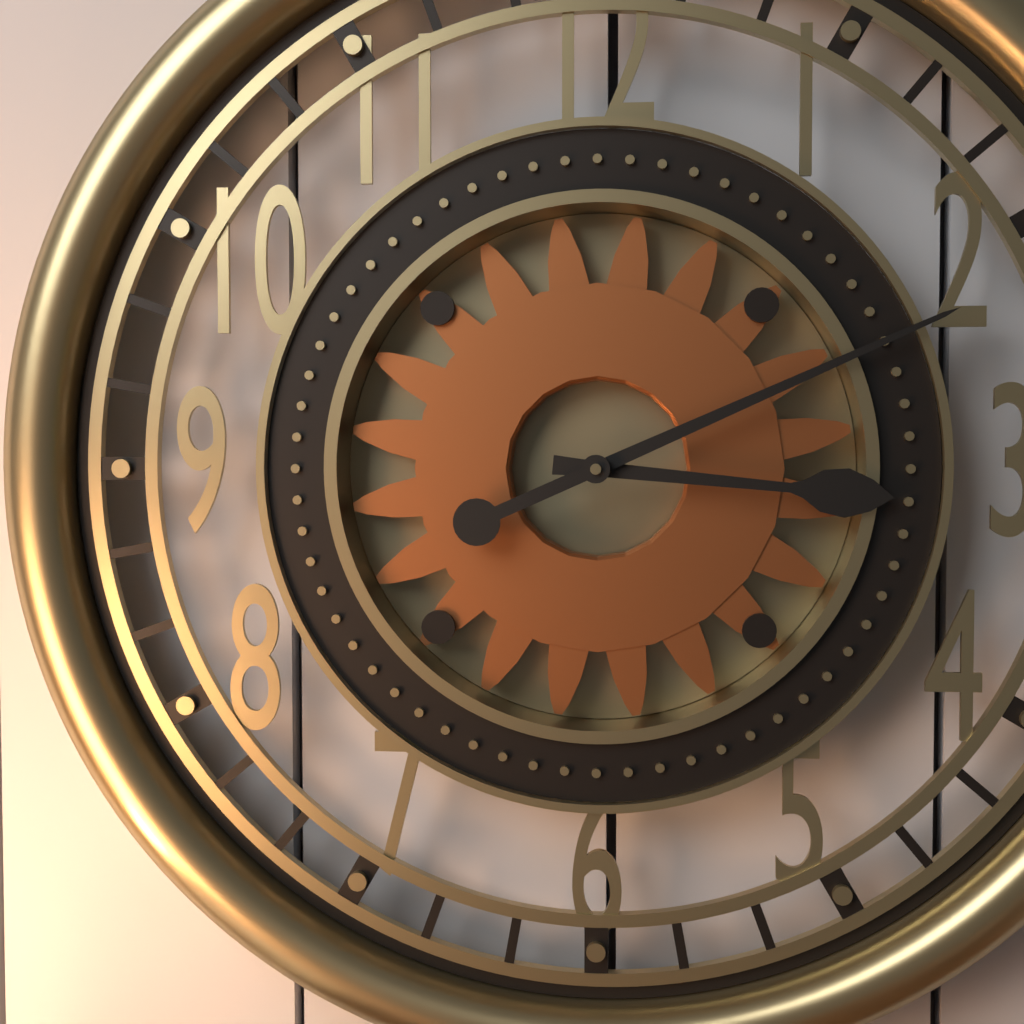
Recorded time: **3:11**
